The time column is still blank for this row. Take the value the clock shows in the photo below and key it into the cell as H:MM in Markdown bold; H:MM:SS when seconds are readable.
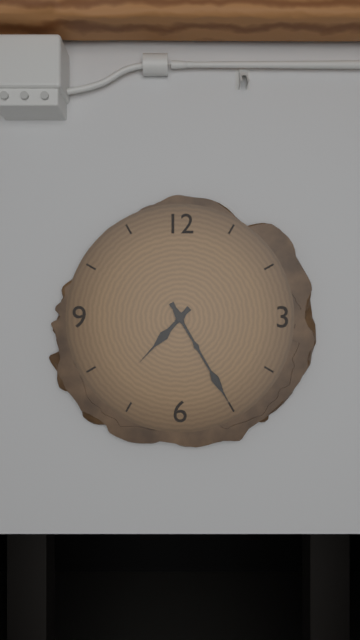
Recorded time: **7:25**
